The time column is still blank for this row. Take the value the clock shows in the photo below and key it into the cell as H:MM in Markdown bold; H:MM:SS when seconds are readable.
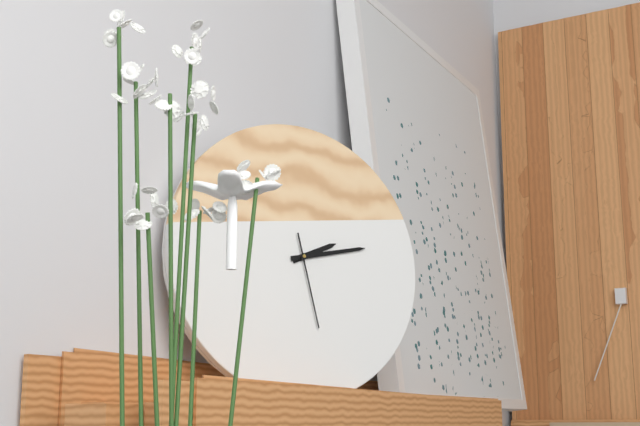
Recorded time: **2:13:28**
